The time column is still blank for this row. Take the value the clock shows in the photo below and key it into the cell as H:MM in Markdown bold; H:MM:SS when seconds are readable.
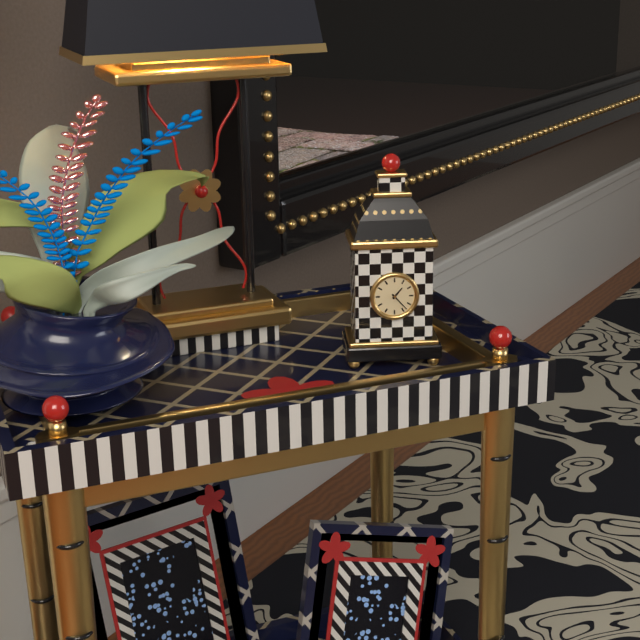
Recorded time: **1:23**
